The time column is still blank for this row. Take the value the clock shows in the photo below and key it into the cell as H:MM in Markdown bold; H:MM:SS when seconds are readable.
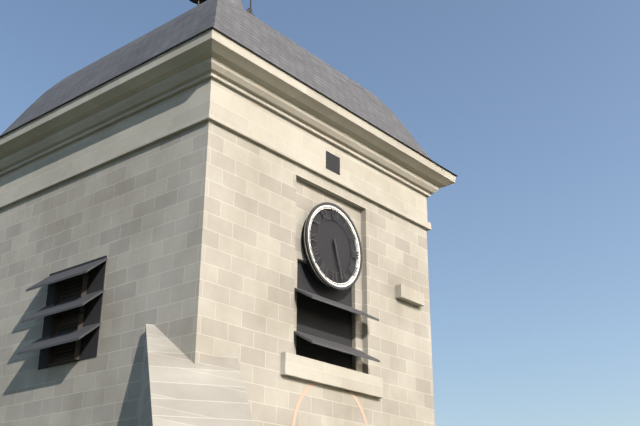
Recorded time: **5:27**
